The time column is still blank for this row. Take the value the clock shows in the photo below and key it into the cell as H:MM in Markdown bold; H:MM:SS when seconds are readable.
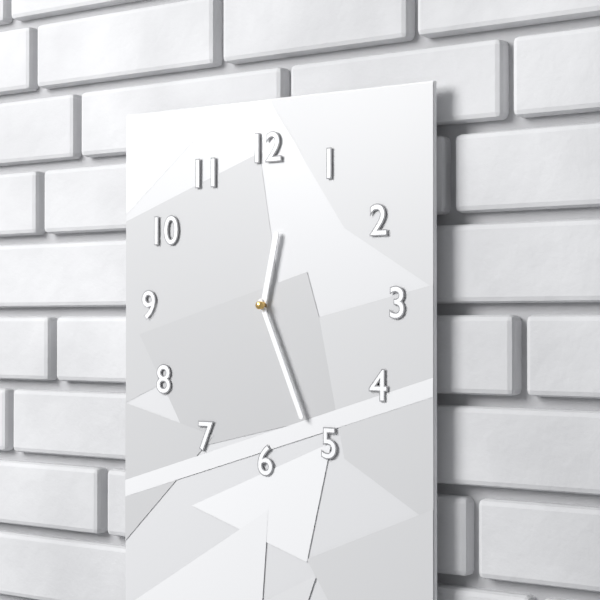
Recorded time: **12:26**
